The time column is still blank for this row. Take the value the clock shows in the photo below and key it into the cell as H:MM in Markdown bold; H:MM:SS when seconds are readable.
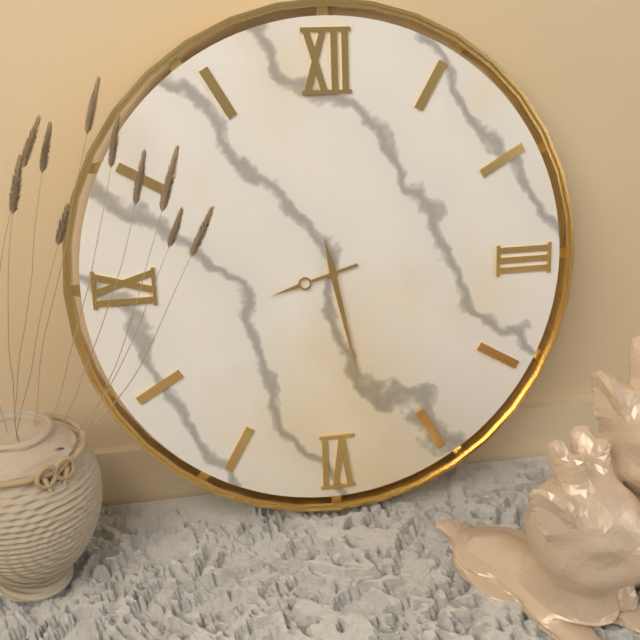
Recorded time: **8:28**
